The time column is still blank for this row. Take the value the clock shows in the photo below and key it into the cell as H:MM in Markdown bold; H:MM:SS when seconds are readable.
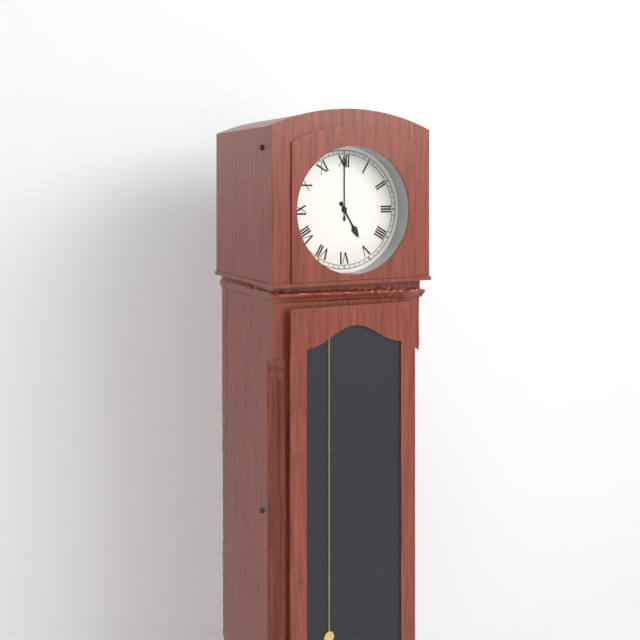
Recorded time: **5:00**
